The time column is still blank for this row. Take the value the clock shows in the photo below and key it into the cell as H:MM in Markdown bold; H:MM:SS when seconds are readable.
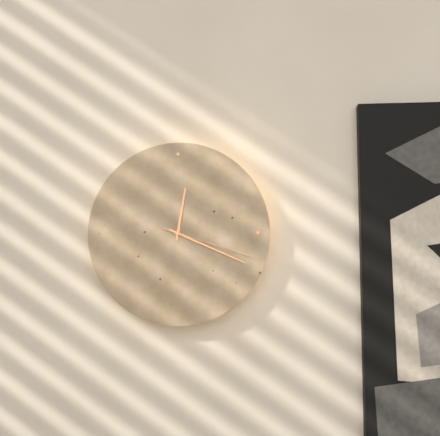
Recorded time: **12:19:18**
